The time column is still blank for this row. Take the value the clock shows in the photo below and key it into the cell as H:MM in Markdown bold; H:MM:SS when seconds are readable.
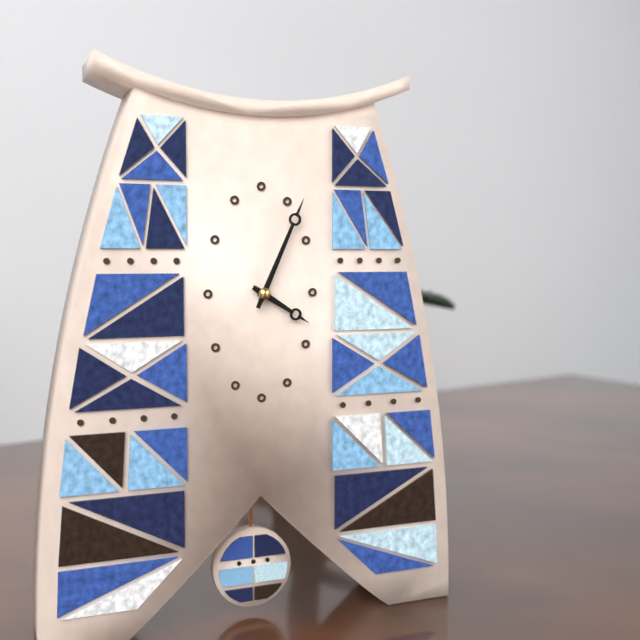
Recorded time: **4:04**
